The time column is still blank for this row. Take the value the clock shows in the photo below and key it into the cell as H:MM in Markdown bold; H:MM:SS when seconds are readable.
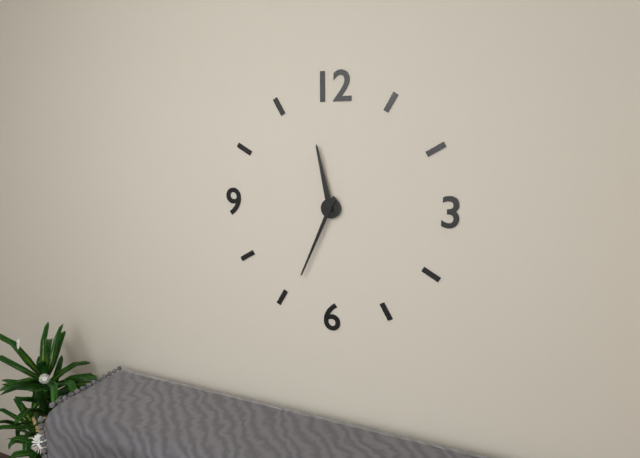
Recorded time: **11:34**
